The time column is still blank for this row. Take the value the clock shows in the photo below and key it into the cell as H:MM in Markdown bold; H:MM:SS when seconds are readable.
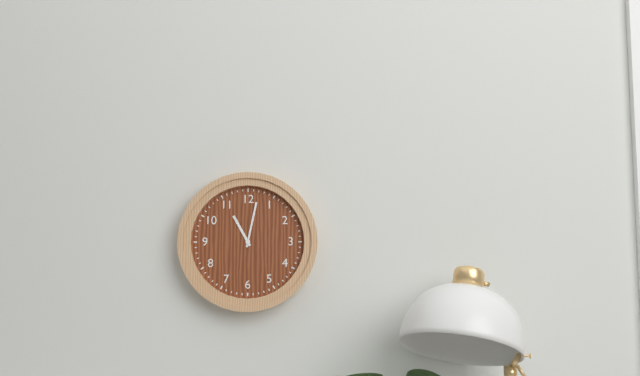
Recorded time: **11:02**
